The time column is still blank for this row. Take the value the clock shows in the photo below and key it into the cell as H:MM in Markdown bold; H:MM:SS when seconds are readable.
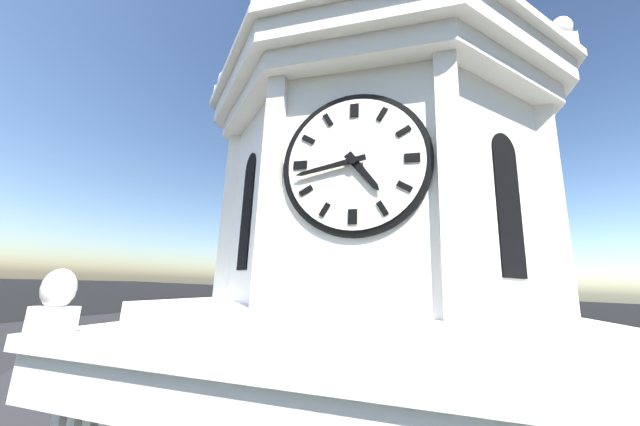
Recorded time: **4:43**
